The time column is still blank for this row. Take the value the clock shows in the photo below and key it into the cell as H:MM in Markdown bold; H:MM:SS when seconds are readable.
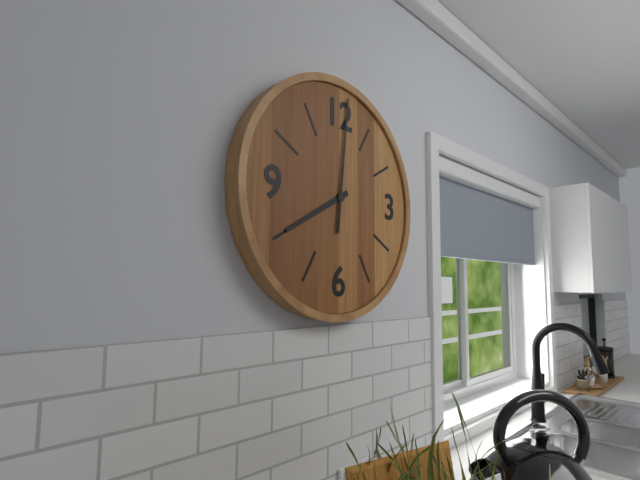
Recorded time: **8:01**
